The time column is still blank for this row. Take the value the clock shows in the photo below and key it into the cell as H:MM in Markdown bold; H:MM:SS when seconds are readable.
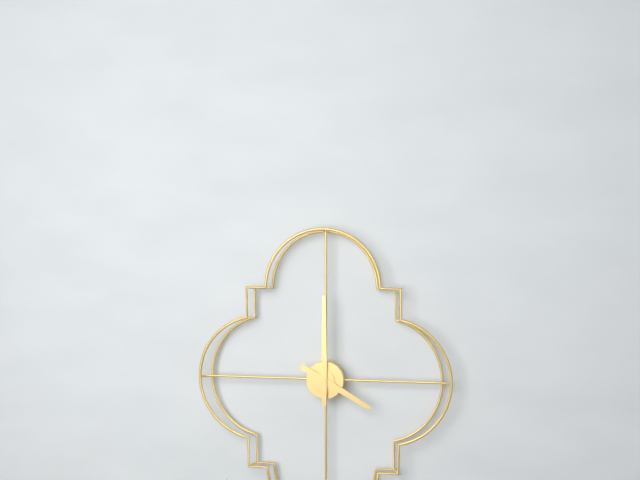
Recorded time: **4:00**
